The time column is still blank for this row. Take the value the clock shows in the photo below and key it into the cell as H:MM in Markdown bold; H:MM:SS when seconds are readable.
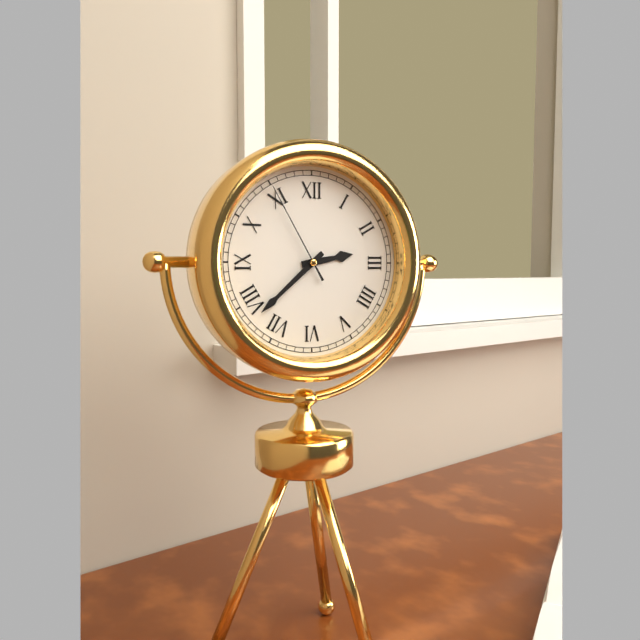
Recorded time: **2:38:55**
